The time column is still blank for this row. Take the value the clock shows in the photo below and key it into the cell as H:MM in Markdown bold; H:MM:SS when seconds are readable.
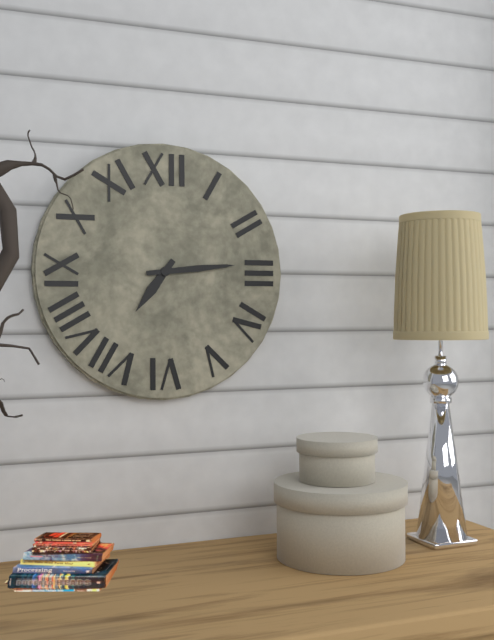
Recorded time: **7:14**
